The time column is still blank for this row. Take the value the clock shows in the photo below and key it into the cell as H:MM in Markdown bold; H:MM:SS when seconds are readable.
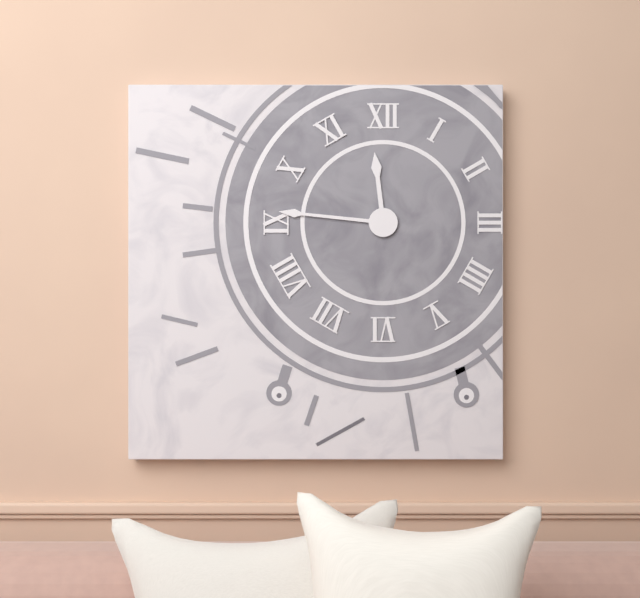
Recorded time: **11:46**
